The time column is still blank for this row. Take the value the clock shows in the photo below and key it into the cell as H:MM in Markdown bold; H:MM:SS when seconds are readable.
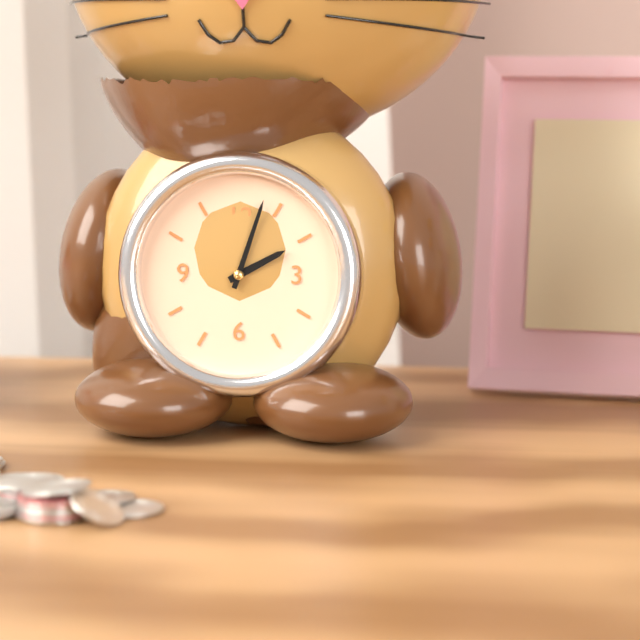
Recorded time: **2:03**
